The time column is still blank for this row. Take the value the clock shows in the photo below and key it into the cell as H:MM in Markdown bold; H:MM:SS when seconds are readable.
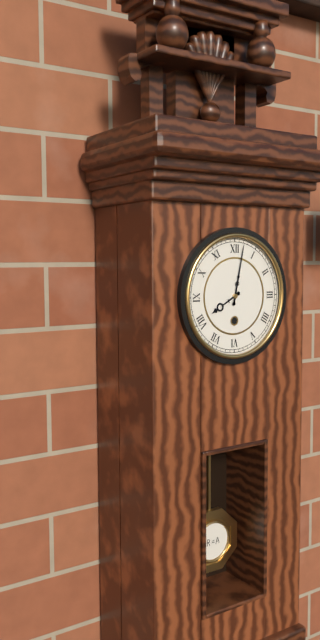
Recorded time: **8:02**
